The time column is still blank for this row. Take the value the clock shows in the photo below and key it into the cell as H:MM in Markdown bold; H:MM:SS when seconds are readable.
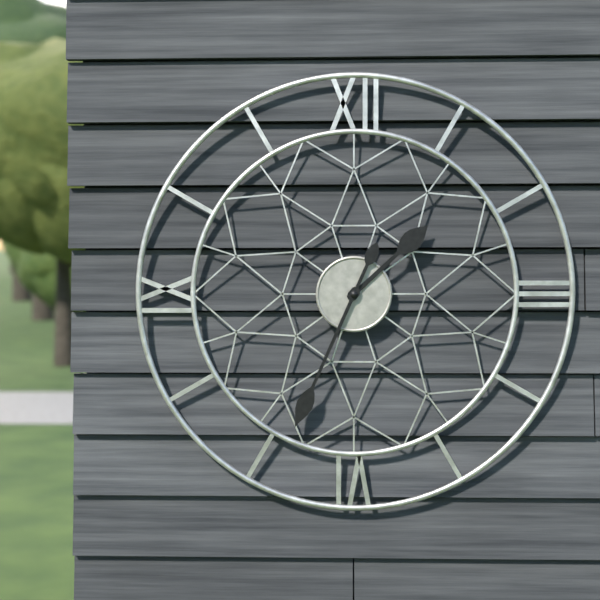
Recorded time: **1:34**
